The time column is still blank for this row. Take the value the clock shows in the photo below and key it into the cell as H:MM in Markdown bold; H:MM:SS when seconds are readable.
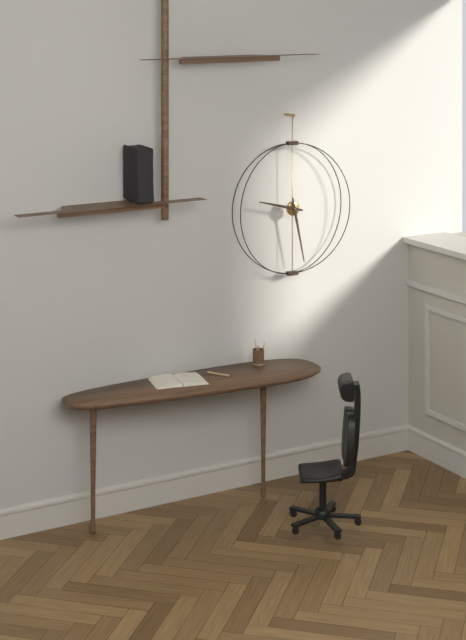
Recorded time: **9:28**
